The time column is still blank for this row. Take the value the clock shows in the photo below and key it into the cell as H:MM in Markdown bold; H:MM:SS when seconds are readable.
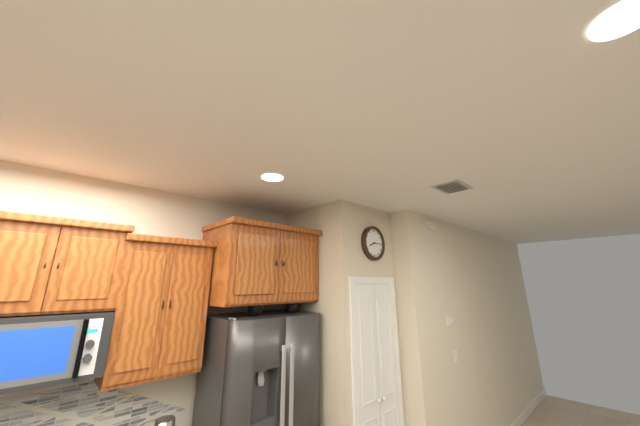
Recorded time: **8:15**
